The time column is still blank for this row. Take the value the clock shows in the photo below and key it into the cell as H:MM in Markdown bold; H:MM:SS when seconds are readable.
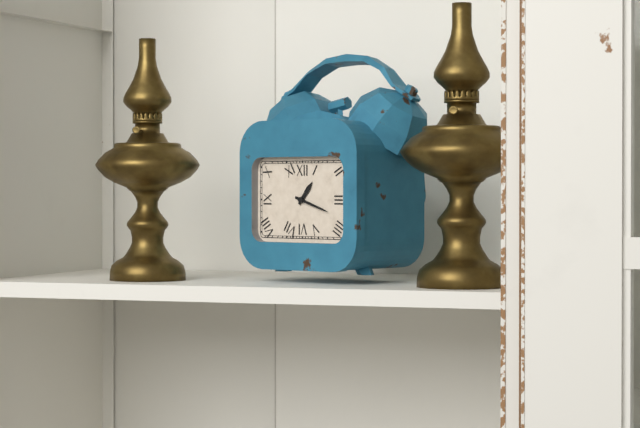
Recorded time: **1:18**
